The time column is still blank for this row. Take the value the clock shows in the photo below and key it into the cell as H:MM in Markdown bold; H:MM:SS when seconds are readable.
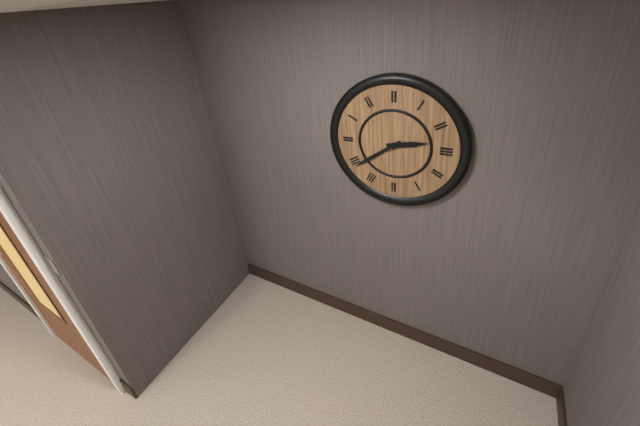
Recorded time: **2:39**
